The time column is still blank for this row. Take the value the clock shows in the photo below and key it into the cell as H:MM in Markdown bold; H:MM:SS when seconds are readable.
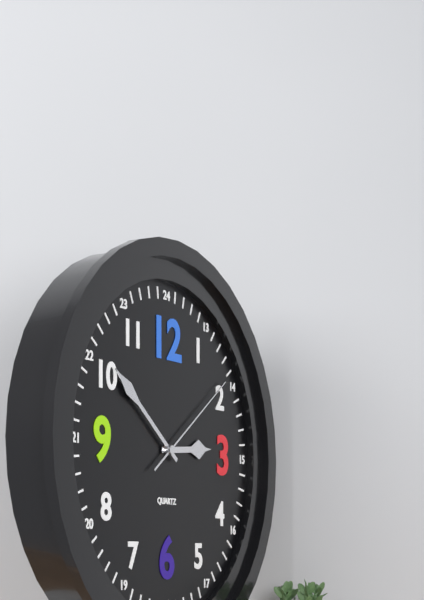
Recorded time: **2:51:09**
